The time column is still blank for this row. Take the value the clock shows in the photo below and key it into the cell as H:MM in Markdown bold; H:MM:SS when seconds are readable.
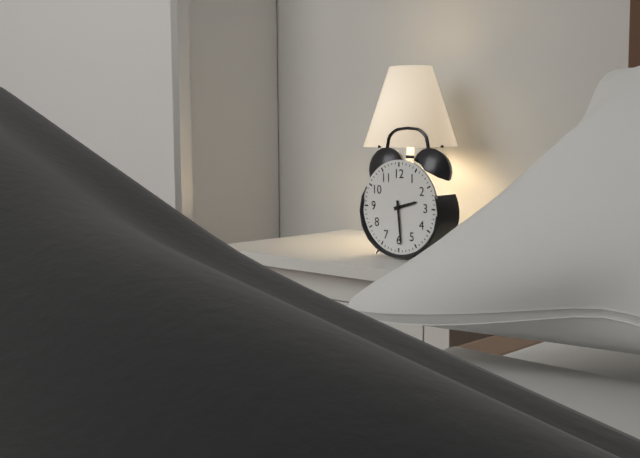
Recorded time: **2:29**
